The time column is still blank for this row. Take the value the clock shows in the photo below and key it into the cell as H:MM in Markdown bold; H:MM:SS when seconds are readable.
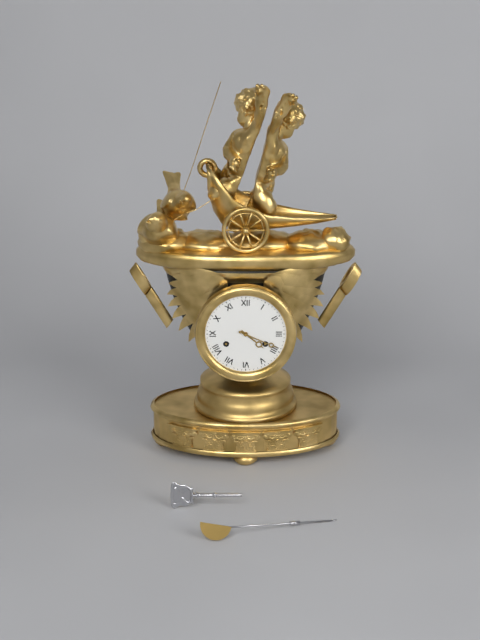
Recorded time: **4:19**
